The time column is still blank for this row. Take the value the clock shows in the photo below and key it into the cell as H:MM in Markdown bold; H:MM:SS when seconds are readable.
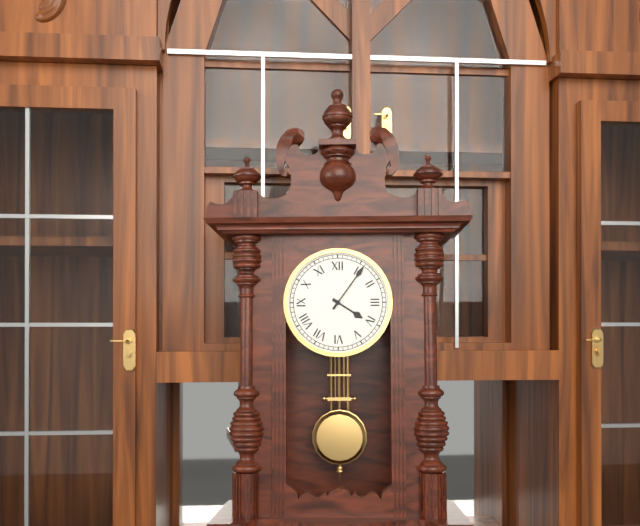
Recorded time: **4:06**
